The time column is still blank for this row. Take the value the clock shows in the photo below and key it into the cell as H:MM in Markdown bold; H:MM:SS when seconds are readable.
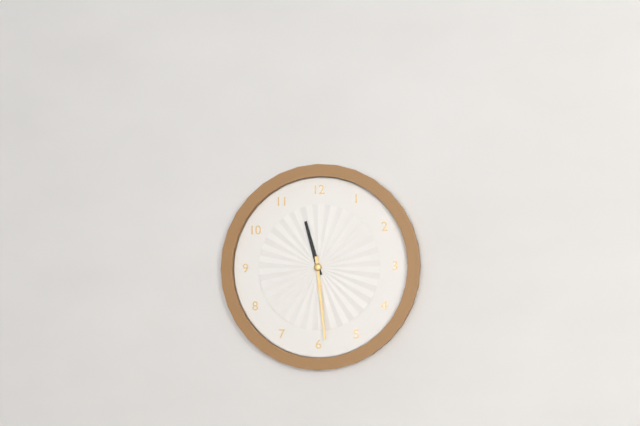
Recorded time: **11:29**
